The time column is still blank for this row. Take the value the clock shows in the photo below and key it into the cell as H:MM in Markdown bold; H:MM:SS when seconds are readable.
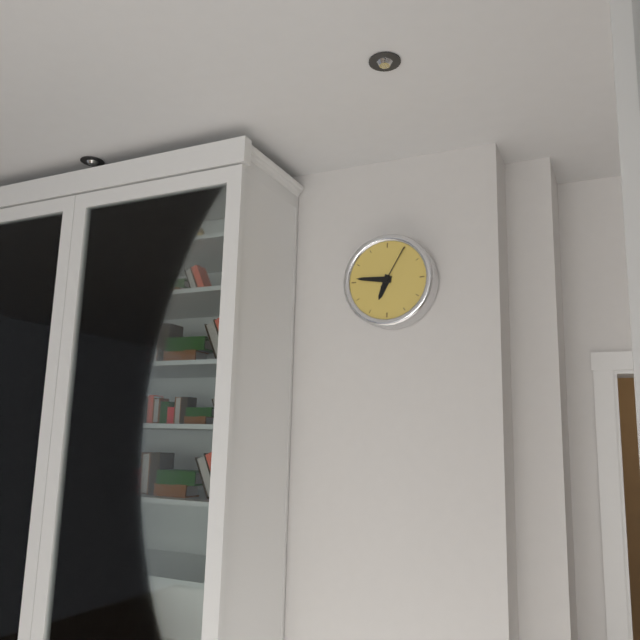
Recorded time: **6:46**
